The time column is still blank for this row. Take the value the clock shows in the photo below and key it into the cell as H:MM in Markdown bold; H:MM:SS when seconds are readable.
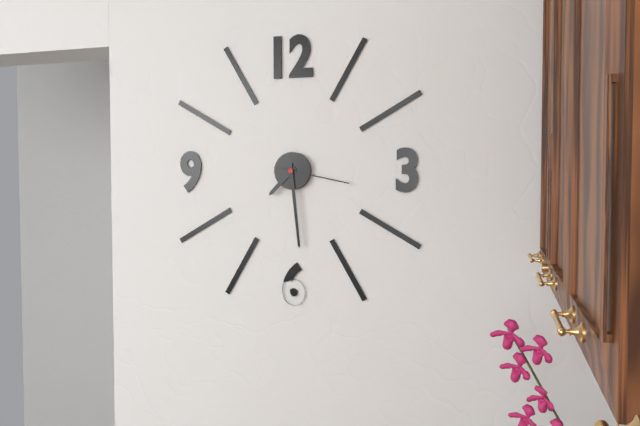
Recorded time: **7:29:17**
